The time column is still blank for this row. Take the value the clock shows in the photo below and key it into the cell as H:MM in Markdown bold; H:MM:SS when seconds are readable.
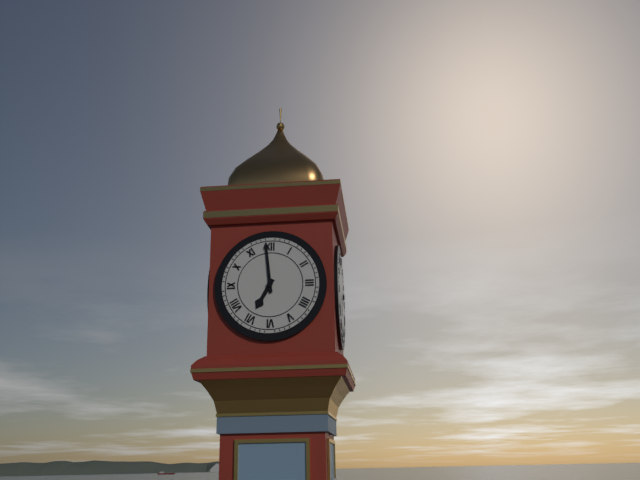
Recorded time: **6:59**
